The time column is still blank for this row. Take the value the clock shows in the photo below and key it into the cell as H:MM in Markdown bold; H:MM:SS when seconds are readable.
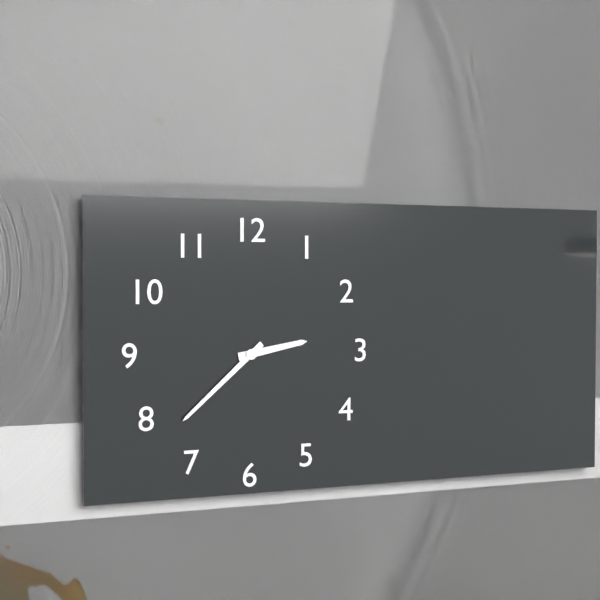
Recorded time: **2:38**
